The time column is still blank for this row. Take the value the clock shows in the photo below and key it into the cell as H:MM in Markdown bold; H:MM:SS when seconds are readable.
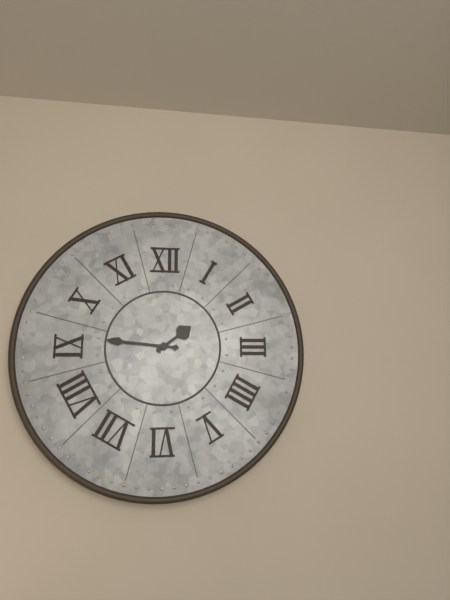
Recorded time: **1:46**
